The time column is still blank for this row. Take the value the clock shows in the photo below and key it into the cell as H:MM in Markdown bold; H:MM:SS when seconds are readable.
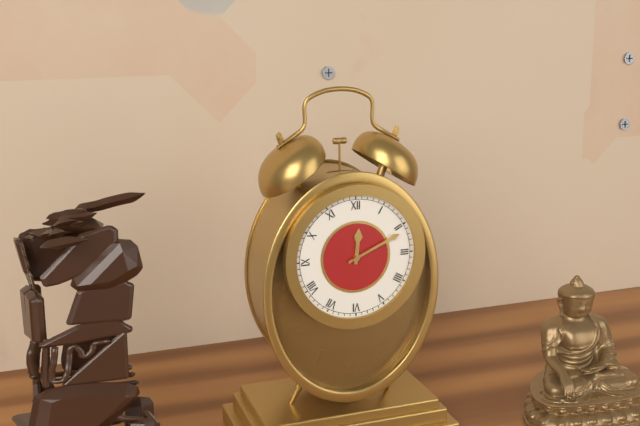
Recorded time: **12:11**
